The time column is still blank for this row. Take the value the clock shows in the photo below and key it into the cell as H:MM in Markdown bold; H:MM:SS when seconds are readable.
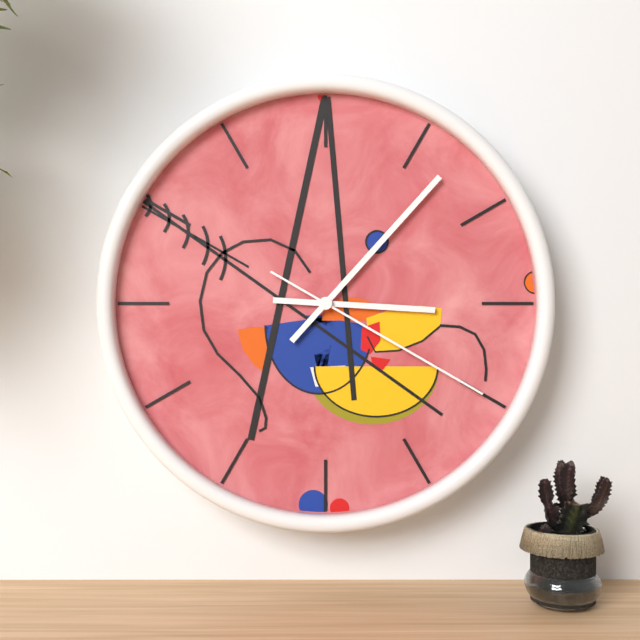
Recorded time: **3:07:20**
